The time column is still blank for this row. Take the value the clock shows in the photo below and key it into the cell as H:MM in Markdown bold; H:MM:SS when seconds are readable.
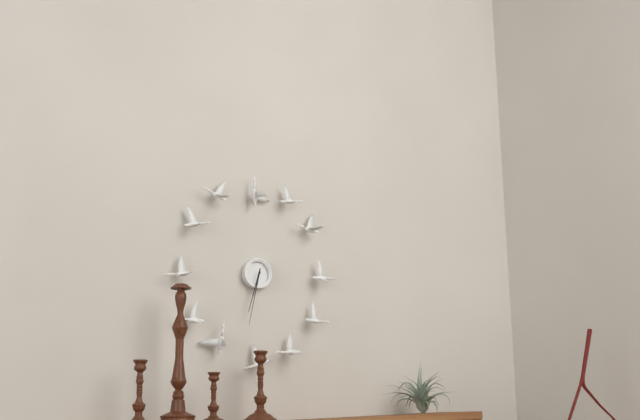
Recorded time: **6:32**
